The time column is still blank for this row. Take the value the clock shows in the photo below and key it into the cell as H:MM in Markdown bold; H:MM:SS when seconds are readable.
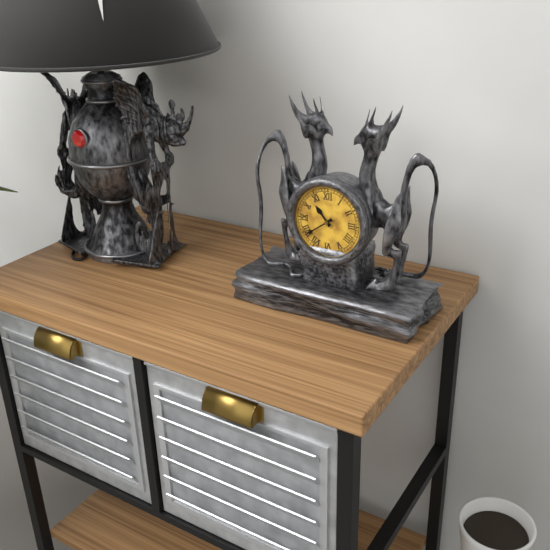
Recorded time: **10:39**
